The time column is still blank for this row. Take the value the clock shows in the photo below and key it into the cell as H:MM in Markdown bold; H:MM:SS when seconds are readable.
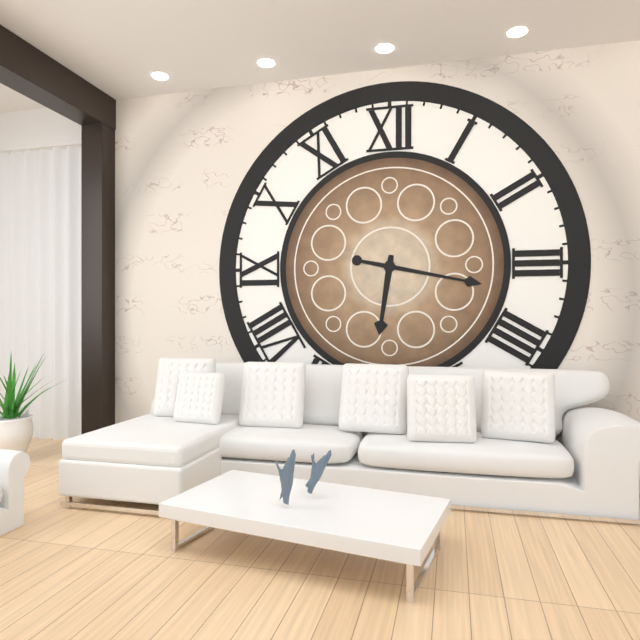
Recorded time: **6:17**
